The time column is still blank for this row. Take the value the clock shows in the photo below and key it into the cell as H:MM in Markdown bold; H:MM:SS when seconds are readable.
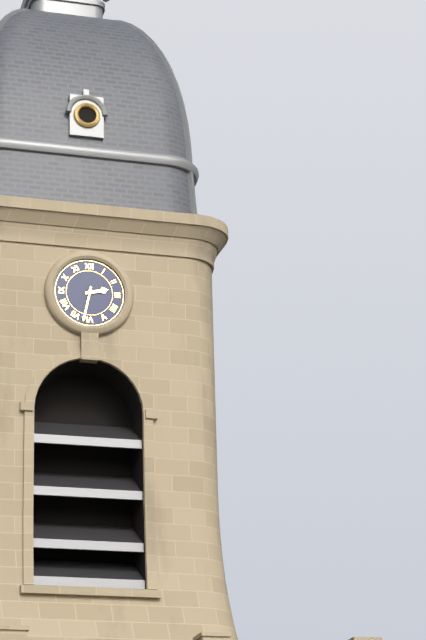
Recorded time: **2:32**
